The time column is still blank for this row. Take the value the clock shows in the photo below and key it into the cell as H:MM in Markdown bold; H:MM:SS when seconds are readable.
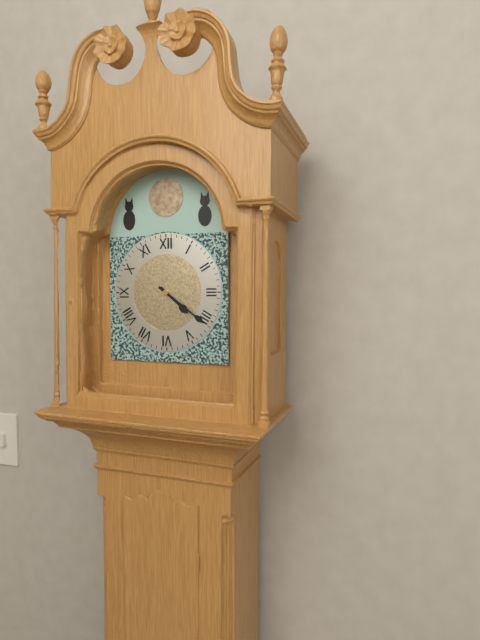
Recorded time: **4:21**
